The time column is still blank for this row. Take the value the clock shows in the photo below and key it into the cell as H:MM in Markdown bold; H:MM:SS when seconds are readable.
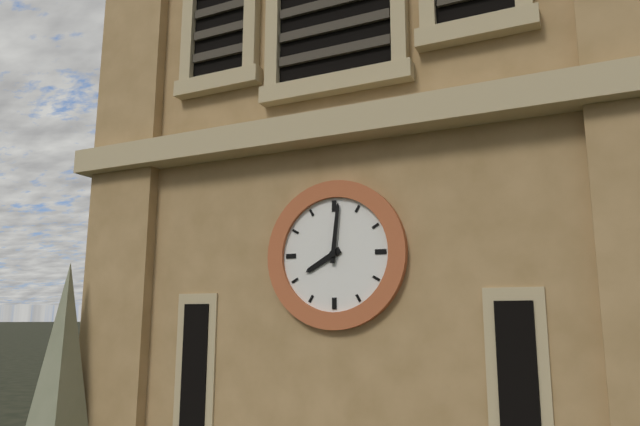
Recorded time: **8:01**
